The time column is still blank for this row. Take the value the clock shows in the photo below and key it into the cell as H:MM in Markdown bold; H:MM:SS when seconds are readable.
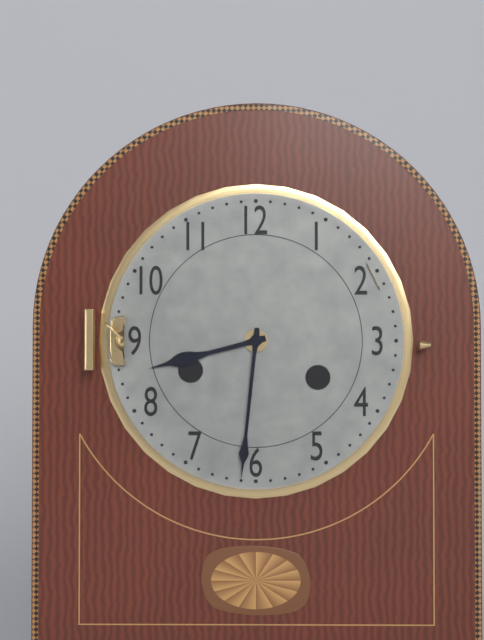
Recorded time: **8:31**
